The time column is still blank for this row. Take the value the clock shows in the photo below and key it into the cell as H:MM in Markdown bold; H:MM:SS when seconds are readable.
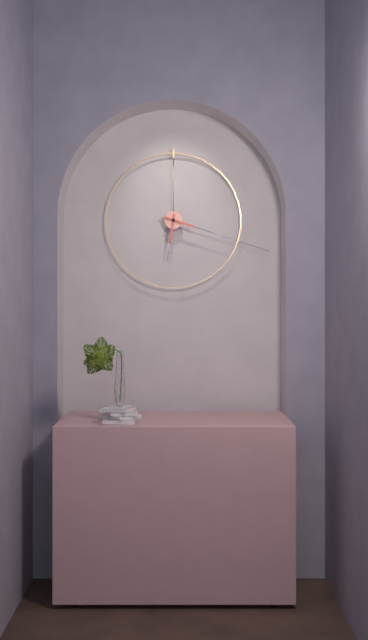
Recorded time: **6:18**
